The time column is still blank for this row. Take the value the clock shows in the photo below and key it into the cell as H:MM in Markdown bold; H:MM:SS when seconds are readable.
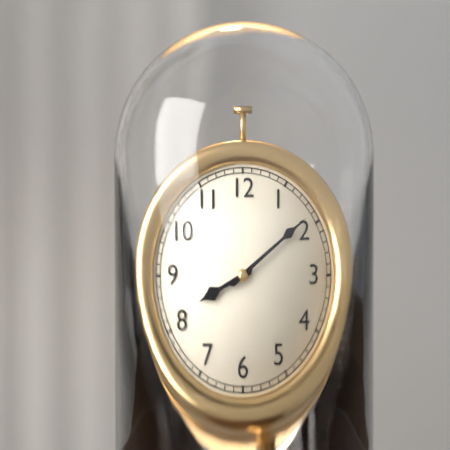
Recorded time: **8:09**
